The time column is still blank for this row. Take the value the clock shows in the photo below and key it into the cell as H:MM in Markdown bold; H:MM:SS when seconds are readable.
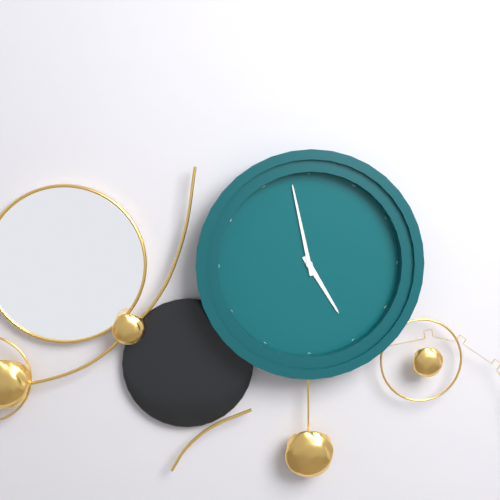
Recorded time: **4:58**
